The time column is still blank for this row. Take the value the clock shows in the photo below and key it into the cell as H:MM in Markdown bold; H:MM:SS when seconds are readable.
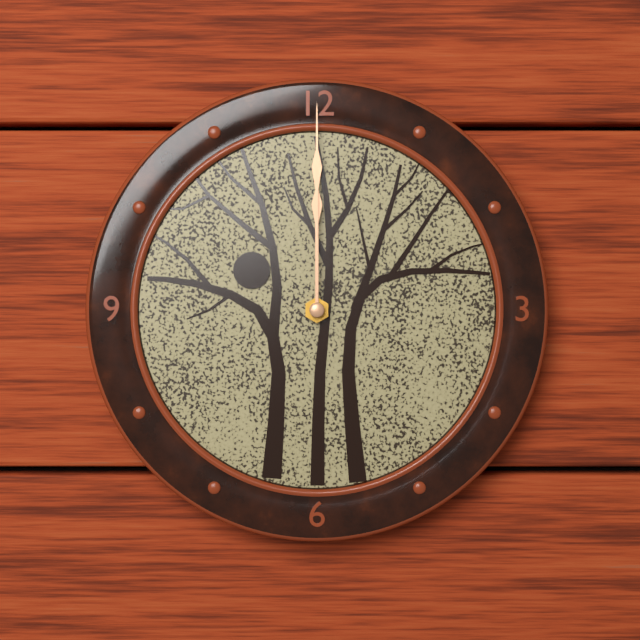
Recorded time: **12:00**
